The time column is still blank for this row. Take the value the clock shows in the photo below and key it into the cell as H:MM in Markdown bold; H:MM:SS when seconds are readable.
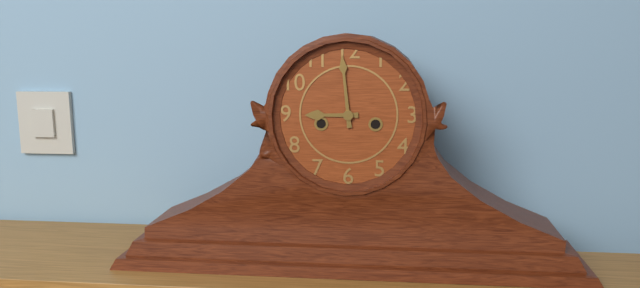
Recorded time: **8:59**
